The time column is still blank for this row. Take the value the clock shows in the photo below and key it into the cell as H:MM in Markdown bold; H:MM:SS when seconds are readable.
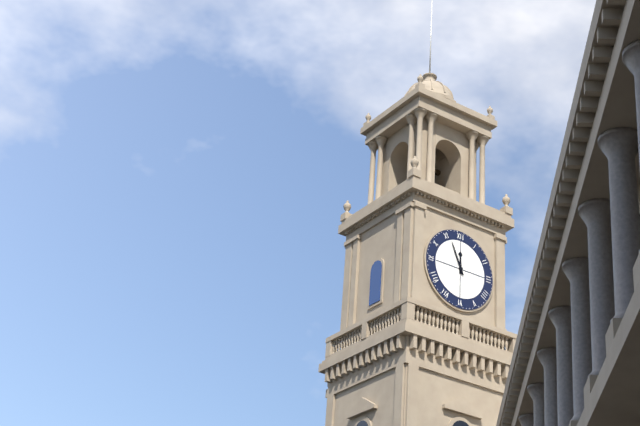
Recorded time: **11:56**
